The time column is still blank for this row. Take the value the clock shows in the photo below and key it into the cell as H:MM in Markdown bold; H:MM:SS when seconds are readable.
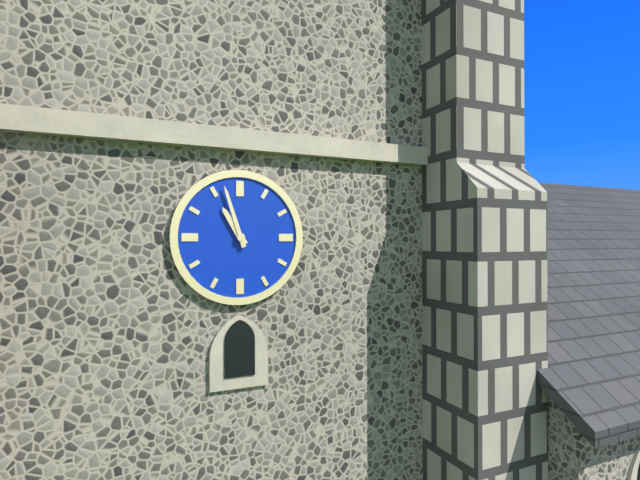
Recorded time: **10:57**
